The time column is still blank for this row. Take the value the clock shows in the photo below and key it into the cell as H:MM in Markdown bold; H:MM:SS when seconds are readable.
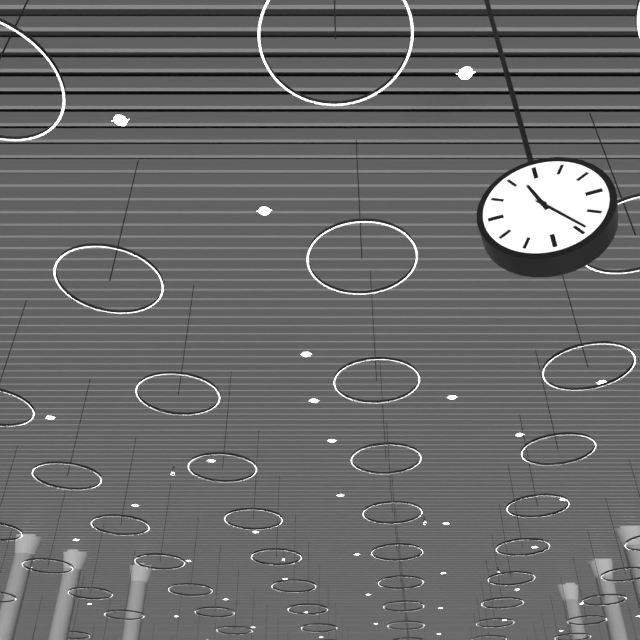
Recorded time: **11:24**
